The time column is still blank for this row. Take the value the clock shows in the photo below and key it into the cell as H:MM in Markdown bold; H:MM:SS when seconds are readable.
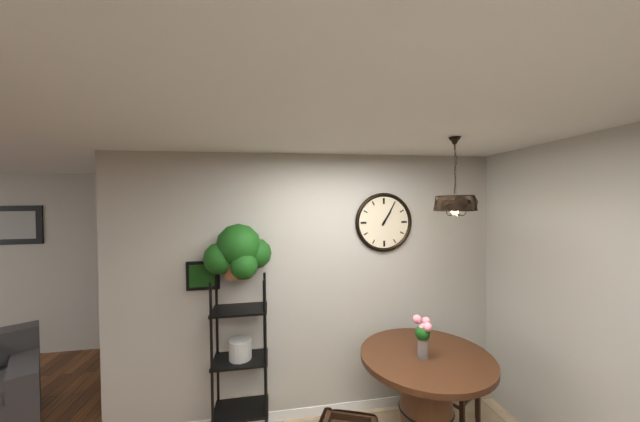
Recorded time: **1:05**
